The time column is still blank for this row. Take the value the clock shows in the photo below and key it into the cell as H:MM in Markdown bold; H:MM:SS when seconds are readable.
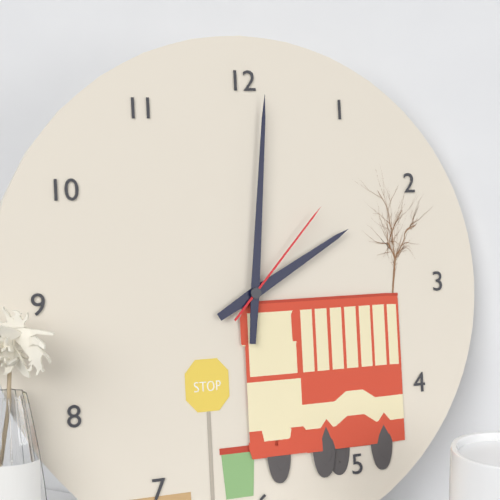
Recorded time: **2:01:07**
